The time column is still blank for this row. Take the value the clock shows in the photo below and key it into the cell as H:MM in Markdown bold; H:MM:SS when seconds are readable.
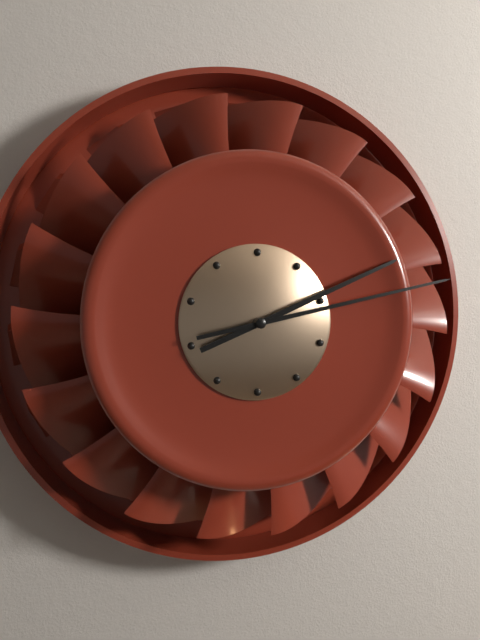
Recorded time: **2:13**
